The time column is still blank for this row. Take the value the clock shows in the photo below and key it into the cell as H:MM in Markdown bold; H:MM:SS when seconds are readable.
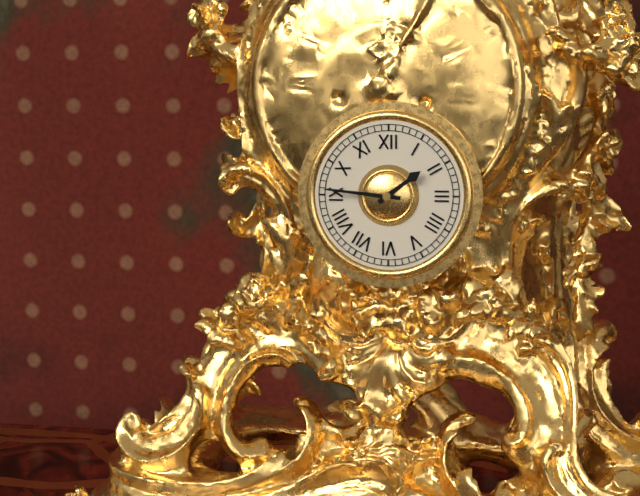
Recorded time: **1:46**
